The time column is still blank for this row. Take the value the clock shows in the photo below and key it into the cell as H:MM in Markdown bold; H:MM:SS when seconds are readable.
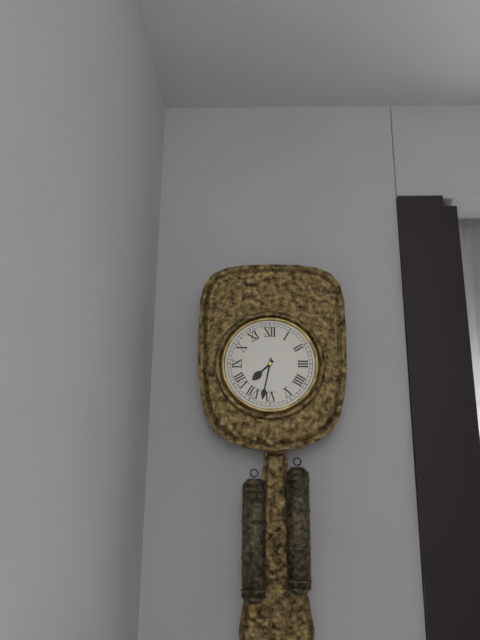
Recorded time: **7:32**
